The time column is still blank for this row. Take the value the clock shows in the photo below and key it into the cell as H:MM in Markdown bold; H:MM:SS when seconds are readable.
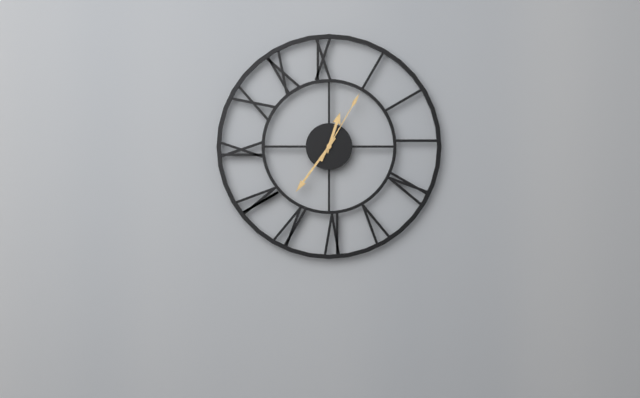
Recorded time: **12:36:05**
